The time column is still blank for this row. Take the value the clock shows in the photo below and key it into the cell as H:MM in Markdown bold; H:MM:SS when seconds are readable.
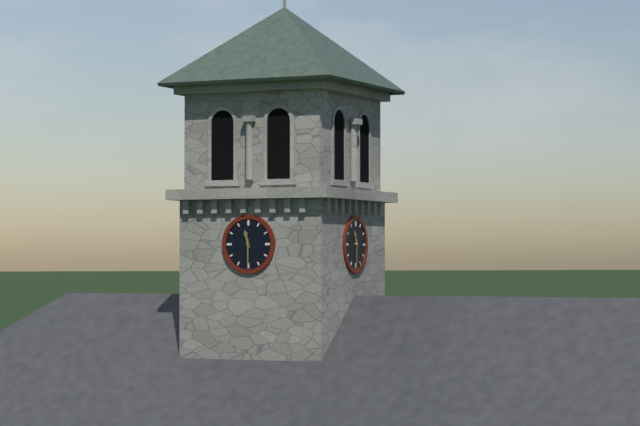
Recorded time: **11:30**
